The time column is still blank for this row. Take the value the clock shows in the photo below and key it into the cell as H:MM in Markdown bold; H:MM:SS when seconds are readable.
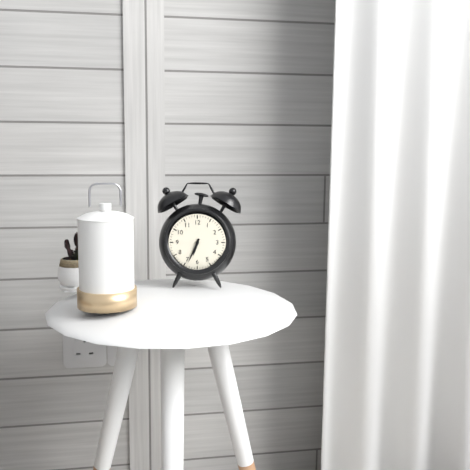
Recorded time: **6:34**
